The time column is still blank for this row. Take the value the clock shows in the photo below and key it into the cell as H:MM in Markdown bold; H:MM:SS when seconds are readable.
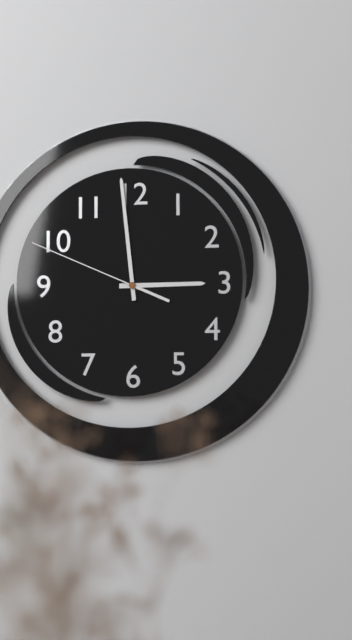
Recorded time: **2:59:49**
